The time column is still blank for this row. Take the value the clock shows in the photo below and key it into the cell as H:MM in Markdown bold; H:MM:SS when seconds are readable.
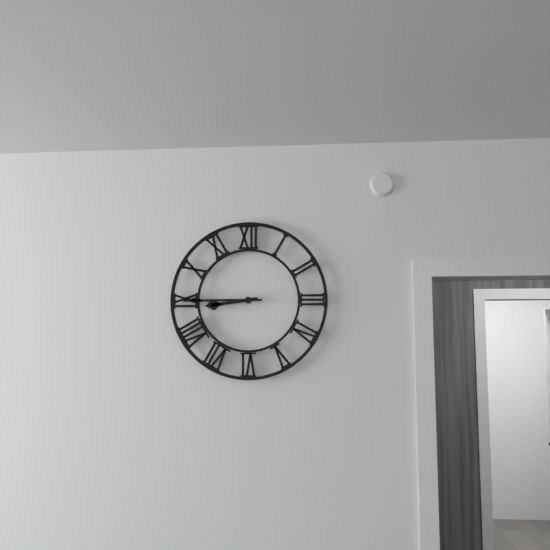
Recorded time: **8:45**
